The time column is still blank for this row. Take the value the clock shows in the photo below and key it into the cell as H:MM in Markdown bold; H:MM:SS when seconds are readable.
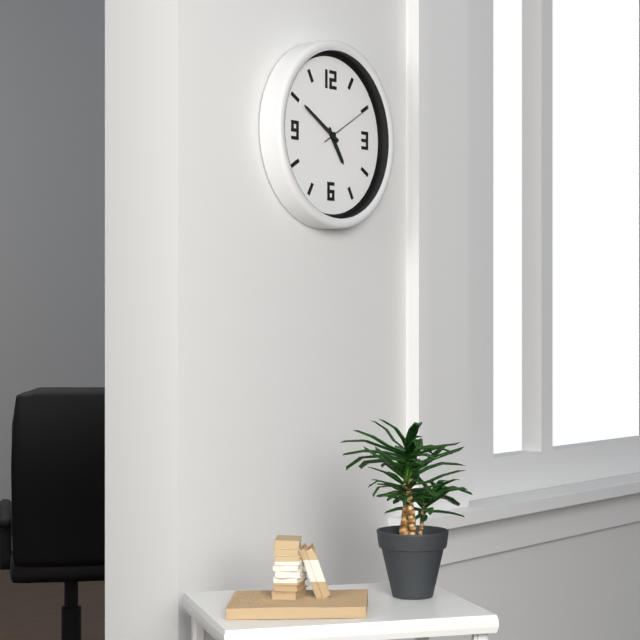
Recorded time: **4:50:10**
